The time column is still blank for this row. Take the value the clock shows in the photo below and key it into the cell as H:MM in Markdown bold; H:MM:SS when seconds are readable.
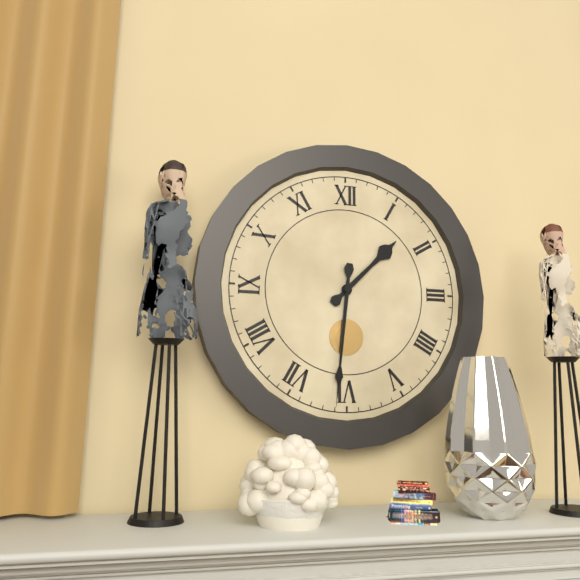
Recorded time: **1:31**
